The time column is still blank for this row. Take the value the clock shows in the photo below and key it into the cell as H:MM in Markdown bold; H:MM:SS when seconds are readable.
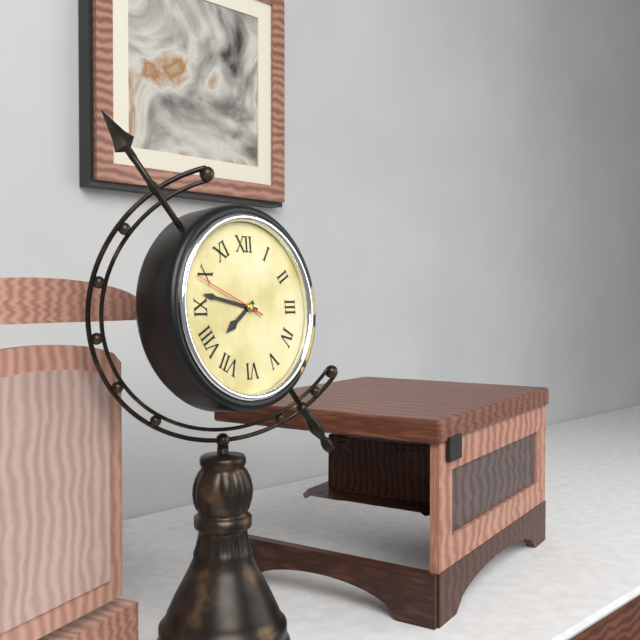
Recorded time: **7:47:49**
